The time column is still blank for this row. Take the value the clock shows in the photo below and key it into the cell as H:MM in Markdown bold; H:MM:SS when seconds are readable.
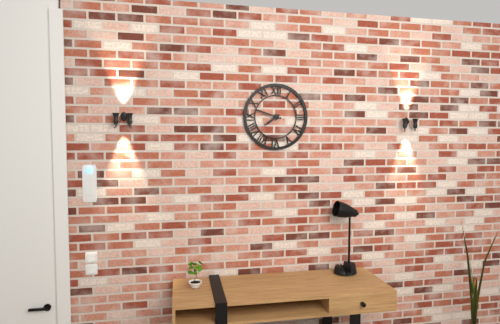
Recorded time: **7:48**
